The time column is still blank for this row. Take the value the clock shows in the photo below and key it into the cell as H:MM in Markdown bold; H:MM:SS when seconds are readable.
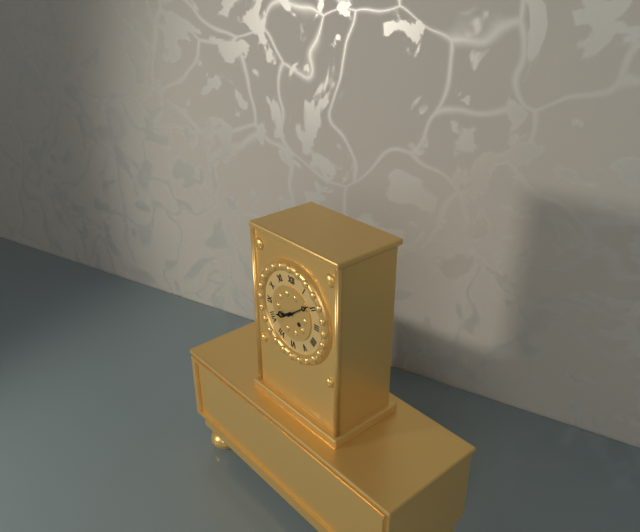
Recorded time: **8:09**
